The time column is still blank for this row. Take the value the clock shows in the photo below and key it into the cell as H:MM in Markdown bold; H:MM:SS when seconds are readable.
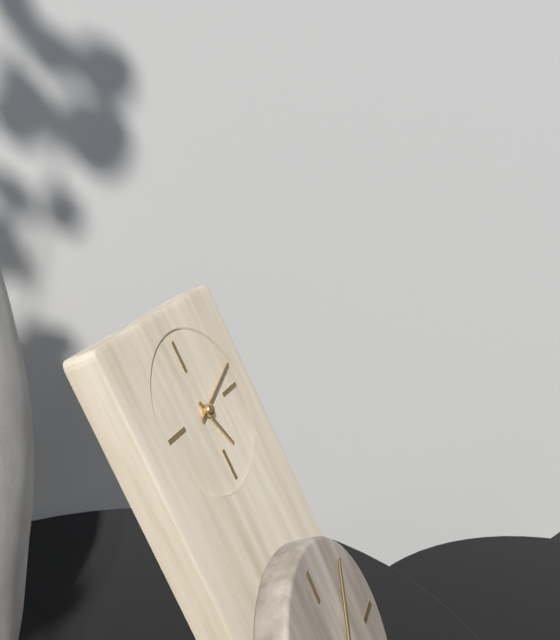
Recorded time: **5:12**
